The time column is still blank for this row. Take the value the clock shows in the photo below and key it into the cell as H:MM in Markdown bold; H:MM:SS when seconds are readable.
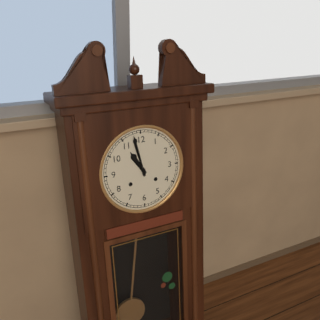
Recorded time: **10:58**
